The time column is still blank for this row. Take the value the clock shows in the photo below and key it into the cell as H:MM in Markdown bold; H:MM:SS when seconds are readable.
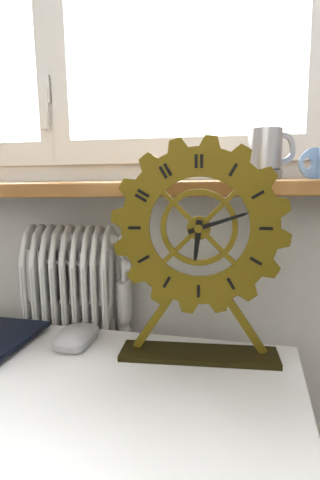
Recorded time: **6:12**
